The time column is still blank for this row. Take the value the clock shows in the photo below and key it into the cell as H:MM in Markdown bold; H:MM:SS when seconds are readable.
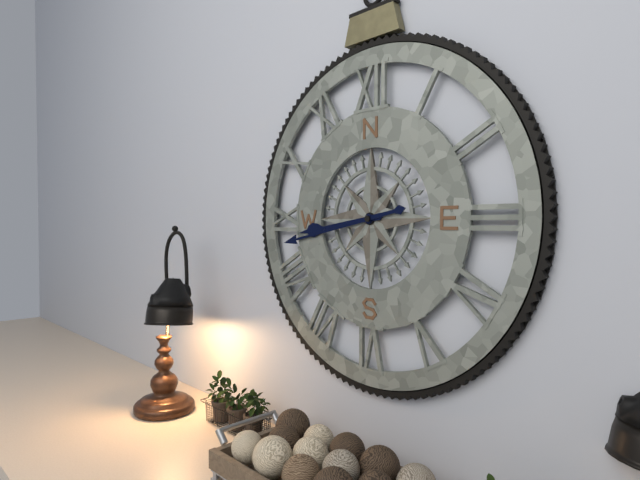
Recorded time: **8:43**
